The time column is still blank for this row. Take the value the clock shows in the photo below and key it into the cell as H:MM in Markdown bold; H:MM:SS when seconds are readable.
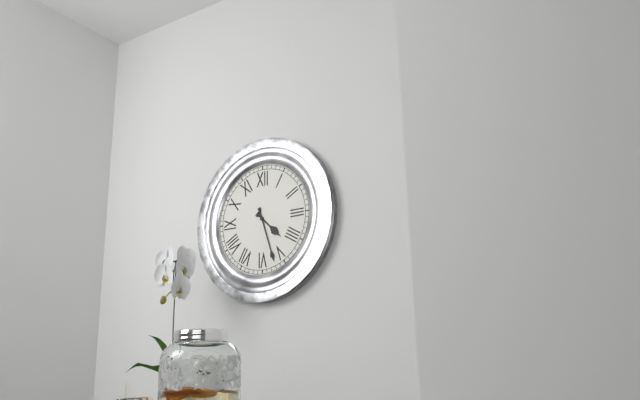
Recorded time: **4:27**
